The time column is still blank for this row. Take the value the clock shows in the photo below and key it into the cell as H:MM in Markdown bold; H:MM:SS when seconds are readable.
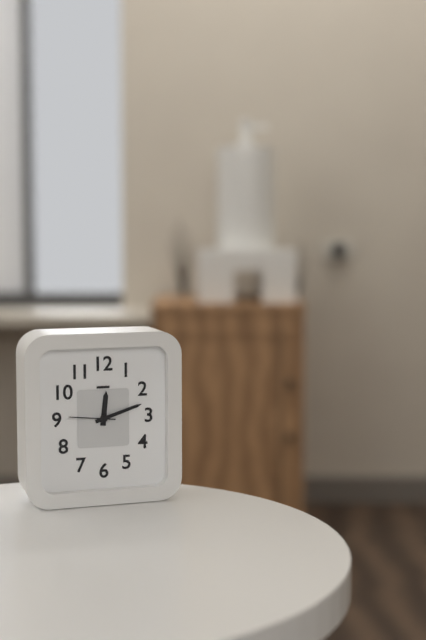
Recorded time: **12:12**
